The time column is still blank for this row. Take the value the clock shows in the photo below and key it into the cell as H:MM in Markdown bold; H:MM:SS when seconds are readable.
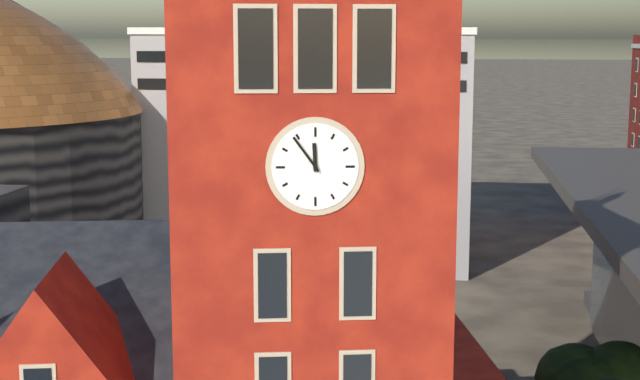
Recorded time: **11:54**
